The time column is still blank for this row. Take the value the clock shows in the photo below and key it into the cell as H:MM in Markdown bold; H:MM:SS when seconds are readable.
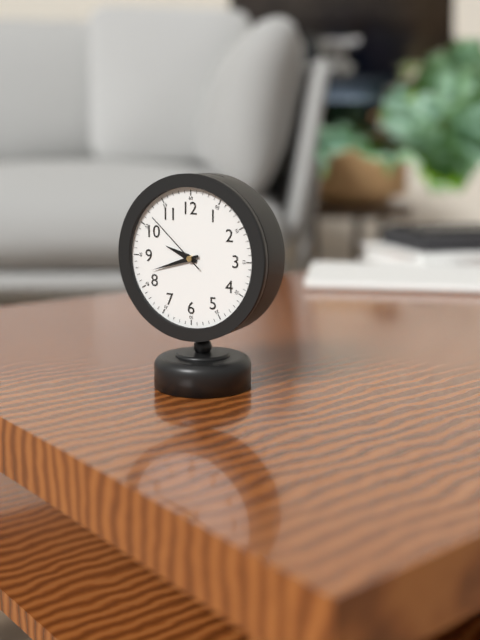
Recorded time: **9:42:52**
